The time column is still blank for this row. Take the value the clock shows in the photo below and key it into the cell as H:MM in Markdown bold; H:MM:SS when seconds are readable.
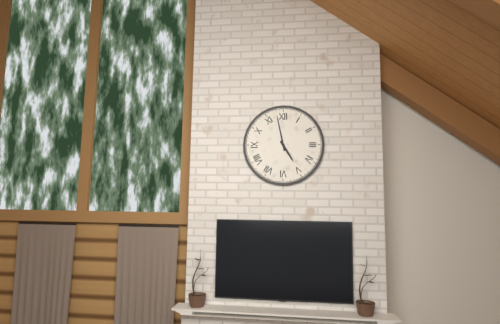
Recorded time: **4:58**
